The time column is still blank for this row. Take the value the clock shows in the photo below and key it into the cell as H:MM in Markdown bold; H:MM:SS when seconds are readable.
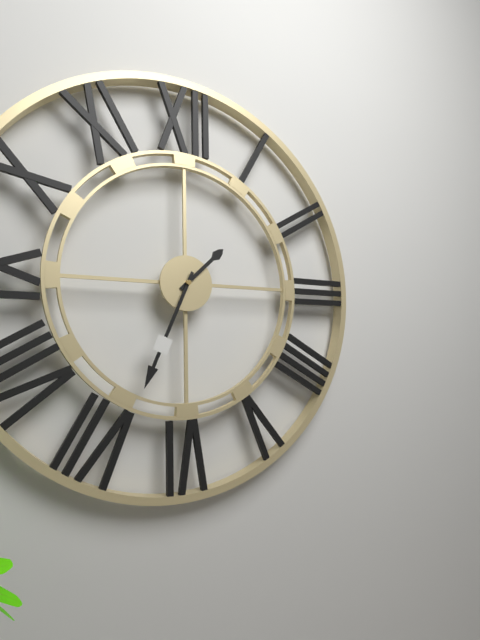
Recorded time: **1:34**
